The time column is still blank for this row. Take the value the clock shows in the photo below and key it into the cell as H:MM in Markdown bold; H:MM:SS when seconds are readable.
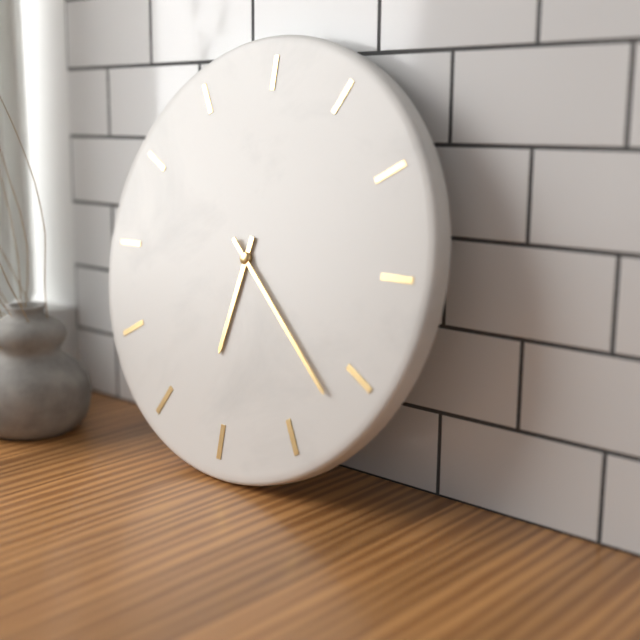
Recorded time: **6:22**
